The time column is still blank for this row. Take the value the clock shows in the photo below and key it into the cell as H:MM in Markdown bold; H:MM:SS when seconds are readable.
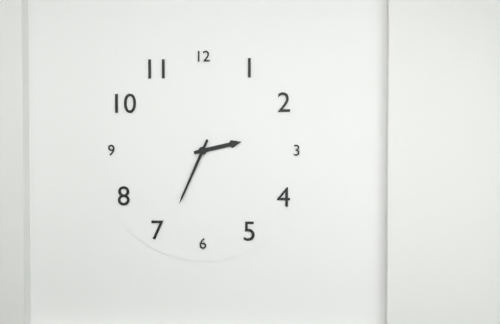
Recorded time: **2:34**
